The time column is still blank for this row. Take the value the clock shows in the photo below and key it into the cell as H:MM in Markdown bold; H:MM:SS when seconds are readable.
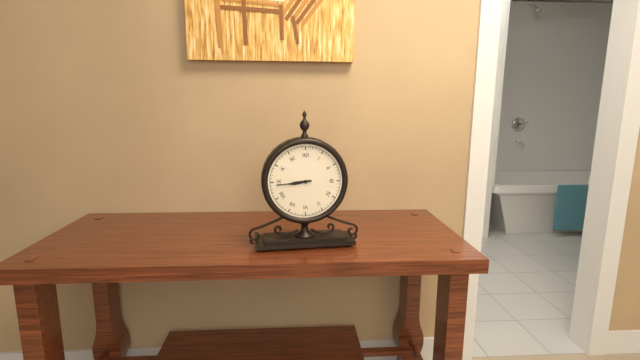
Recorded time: **8:44**
